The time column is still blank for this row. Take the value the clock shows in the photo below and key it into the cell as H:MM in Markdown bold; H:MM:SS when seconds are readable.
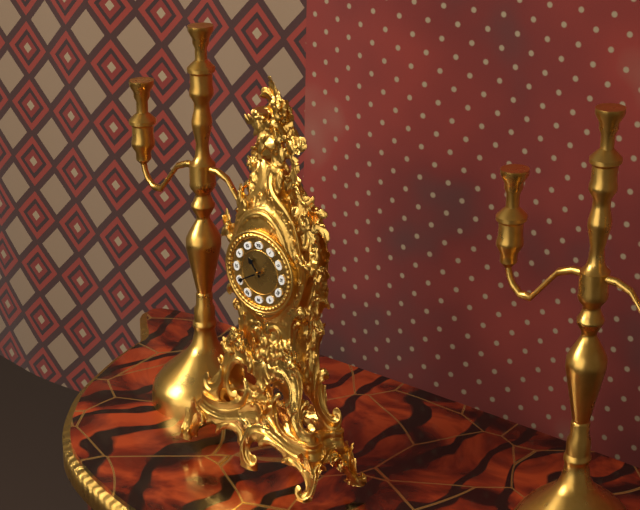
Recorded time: **10:40**
